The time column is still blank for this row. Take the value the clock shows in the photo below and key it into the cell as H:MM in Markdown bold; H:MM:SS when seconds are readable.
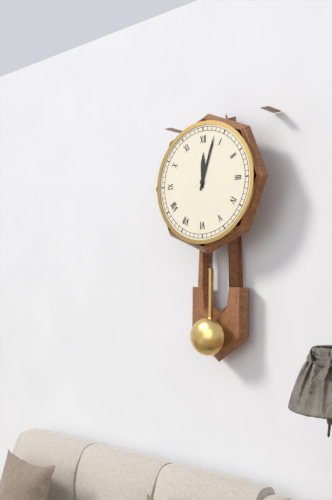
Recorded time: **12:03**
